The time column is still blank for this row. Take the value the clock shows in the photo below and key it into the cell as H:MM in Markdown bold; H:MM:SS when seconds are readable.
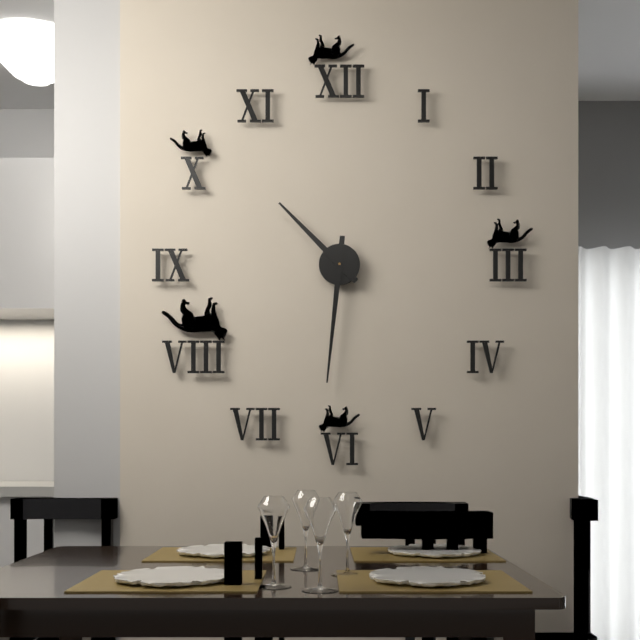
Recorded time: **10:31**
